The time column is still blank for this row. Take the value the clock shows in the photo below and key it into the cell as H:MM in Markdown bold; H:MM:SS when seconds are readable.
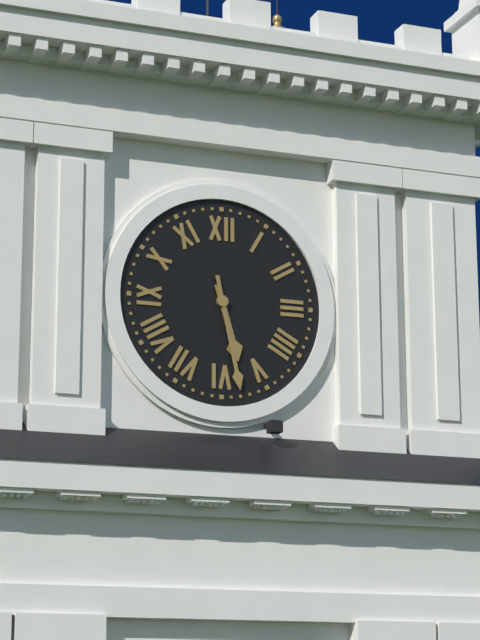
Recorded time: **5:28**
